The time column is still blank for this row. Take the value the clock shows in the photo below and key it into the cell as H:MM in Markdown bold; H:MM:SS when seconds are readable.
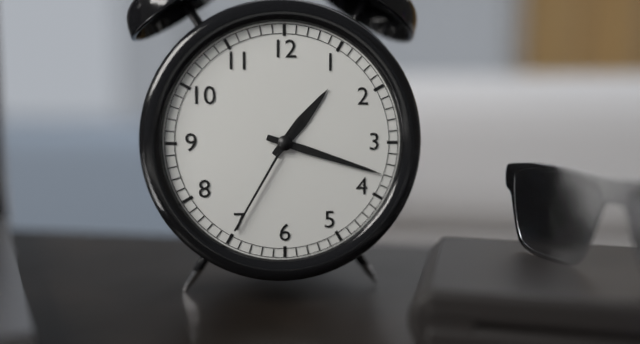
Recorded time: **1:18:35**
